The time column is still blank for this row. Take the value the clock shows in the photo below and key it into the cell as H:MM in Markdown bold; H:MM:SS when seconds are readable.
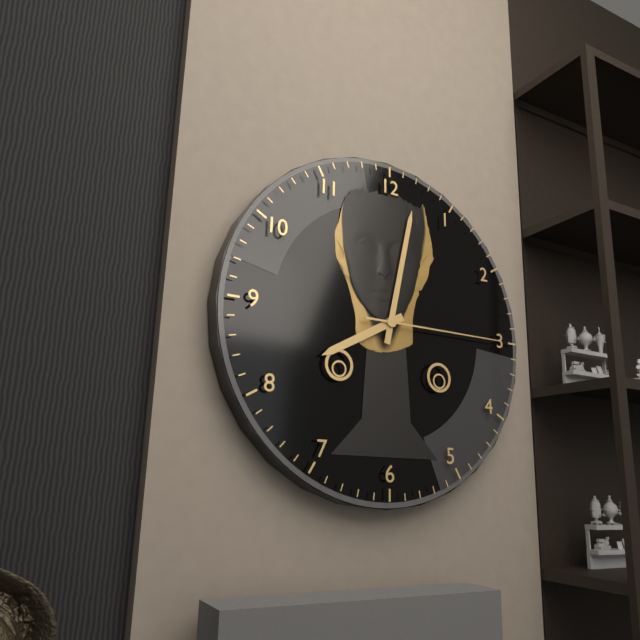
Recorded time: **8:02:15**
